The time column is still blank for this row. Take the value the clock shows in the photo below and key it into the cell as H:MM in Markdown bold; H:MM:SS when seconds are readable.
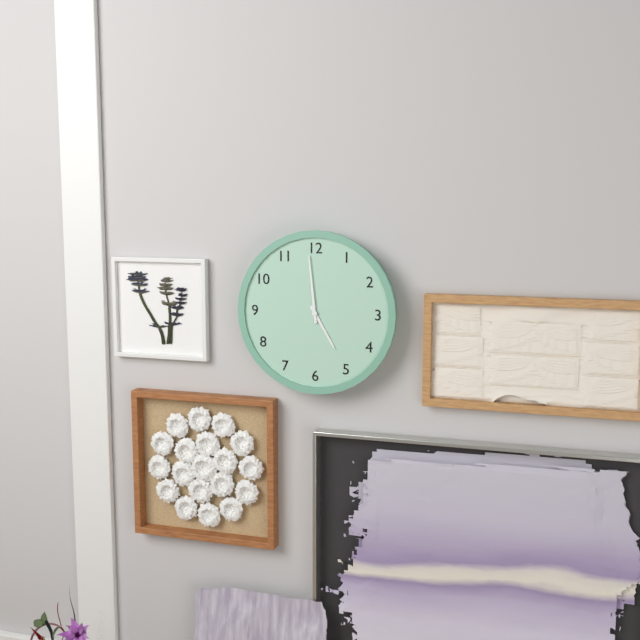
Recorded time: **4:59**
